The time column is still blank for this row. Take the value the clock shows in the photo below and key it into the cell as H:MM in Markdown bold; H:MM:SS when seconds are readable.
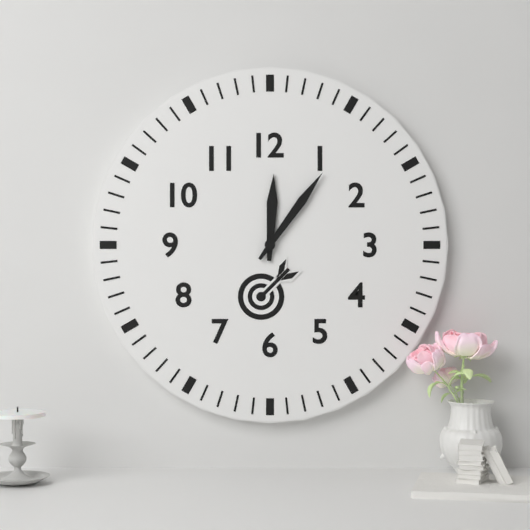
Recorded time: **12:06**
